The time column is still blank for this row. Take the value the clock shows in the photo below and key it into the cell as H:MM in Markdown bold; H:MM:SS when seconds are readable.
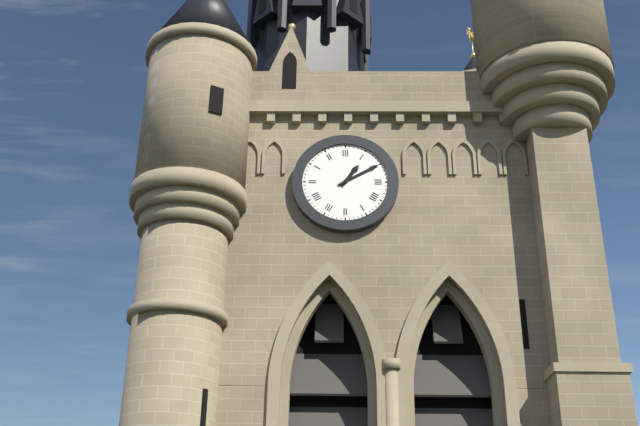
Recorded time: **1:10**
